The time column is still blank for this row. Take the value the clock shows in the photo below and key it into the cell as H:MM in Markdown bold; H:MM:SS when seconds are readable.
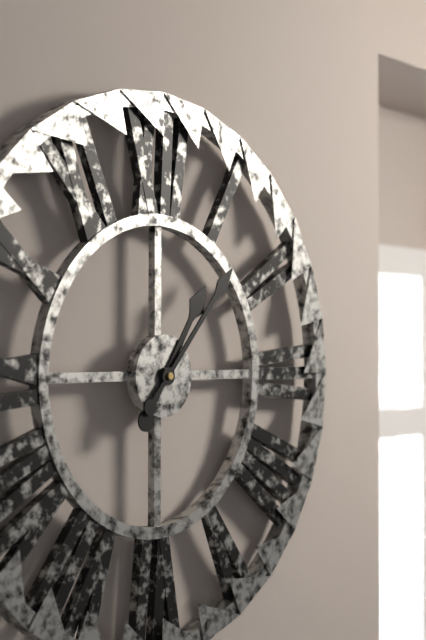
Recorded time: **1:07**
